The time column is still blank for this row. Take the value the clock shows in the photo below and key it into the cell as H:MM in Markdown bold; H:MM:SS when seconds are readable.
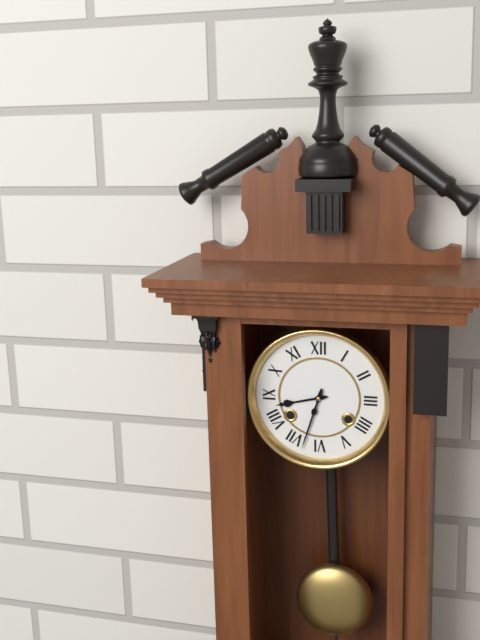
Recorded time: **8:33**
